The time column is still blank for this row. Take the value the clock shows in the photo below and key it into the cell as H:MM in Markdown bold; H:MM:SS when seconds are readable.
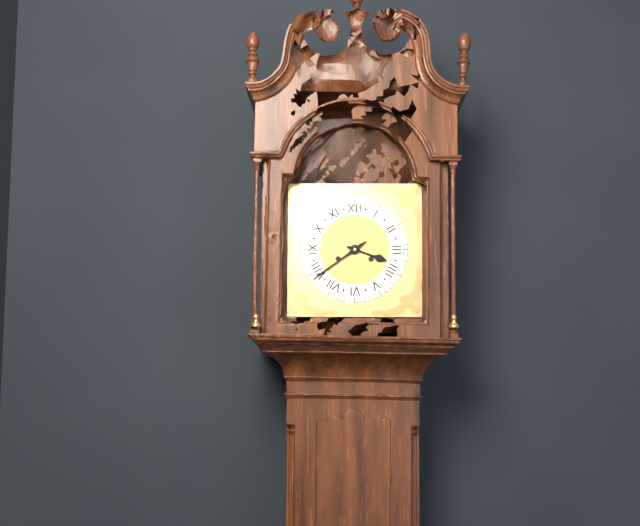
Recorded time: **3:39**
